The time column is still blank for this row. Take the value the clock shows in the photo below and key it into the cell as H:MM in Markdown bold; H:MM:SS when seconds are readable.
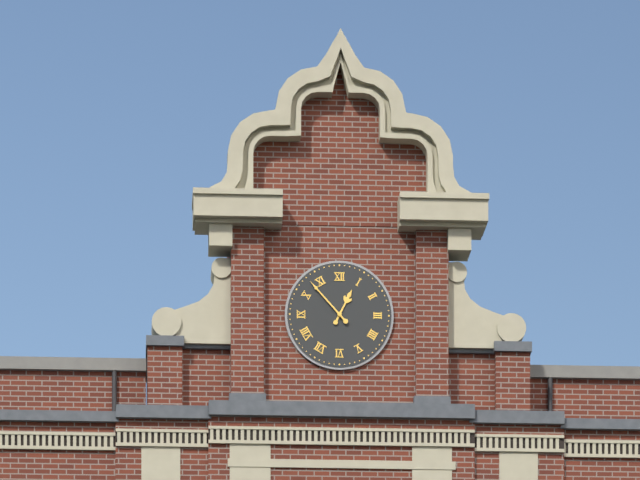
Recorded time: **12:53**
